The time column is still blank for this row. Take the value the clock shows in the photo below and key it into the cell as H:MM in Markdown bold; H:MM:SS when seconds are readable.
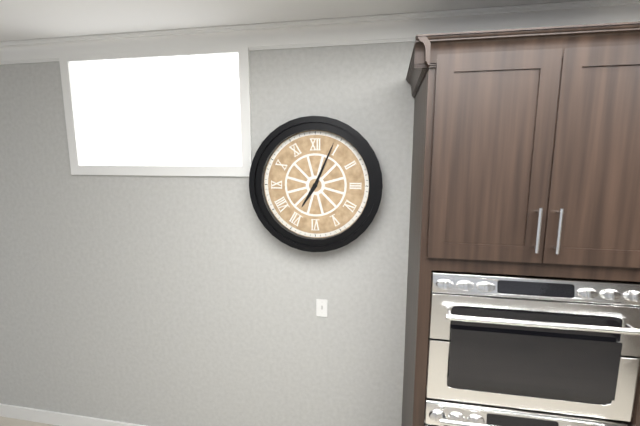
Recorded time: **7:04**
